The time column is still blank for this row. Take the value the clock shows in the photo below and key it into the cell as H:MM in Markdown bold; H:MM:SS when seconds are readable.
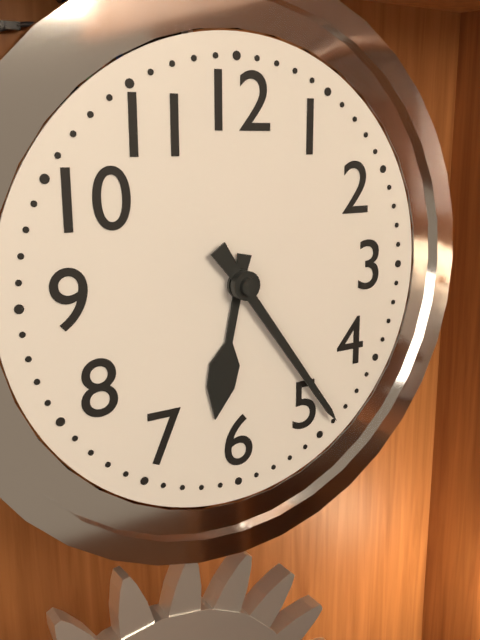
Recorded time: **6:24**
